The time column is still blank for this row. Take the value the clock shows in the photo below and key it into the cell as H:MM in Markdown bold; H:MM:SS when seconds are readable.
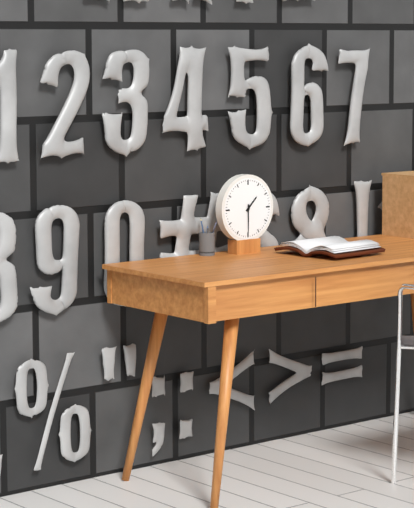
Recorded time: **1:30**
